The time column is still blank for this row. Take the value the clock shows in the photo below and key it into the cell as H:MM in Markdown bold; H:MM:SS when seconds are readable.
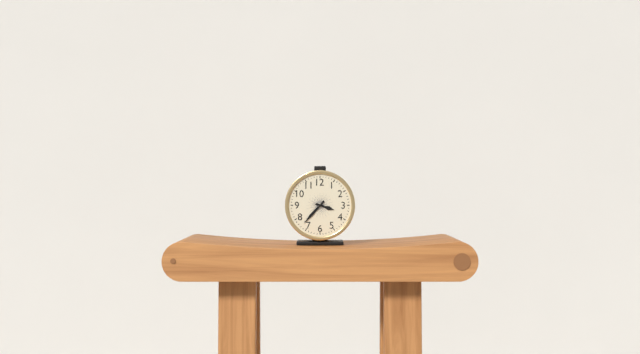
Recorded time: **3:37**
